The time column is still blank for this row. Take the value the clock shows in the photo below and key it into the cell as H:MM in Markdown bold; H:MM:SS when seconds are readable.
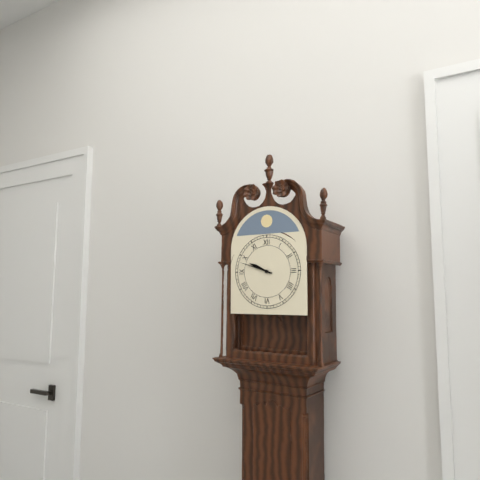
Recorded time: **9:48**
